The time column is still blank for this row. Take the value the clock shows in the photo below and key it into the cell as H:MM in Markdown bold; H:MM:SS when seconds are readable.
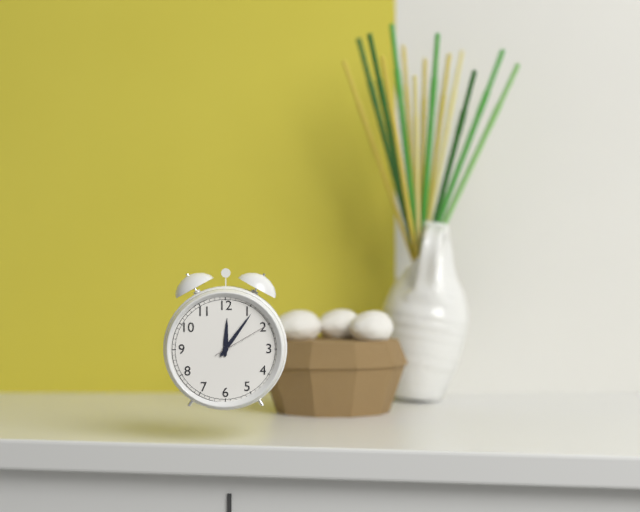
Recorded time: **12:06:10**
